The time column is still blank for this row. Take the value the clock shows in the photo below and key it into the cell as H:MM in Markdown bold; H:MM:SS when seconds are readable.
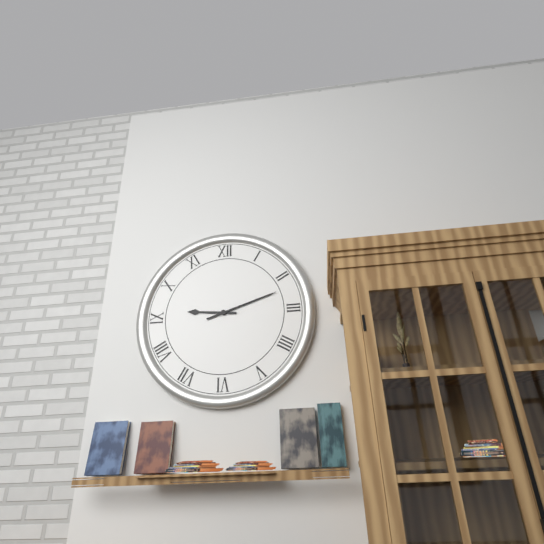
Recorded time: **9:12**
